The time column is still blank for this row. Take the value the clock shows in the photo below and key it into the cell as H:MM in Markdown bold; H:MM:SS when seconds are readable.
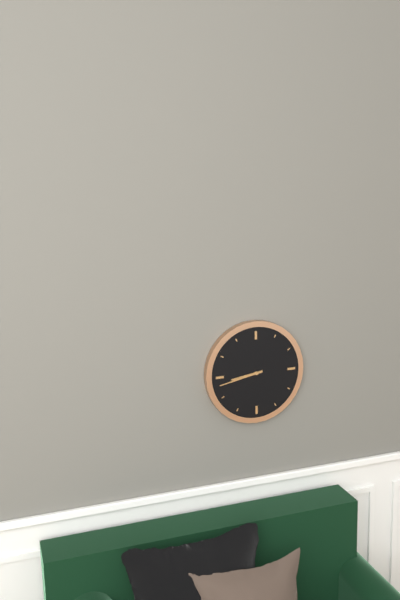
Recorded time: **8:43**
